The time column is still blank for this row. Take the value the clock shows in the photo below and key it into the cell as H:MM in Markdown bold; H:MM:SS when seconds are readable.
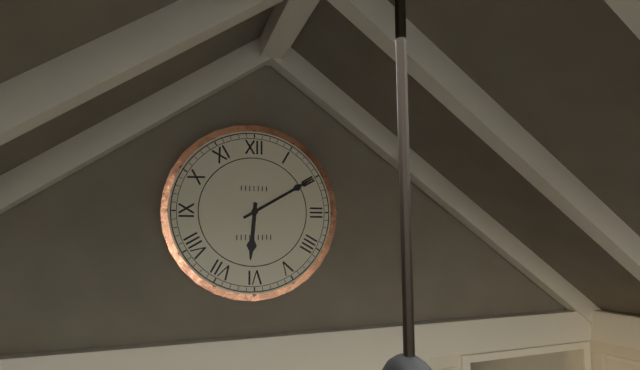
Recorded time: **6:10**
